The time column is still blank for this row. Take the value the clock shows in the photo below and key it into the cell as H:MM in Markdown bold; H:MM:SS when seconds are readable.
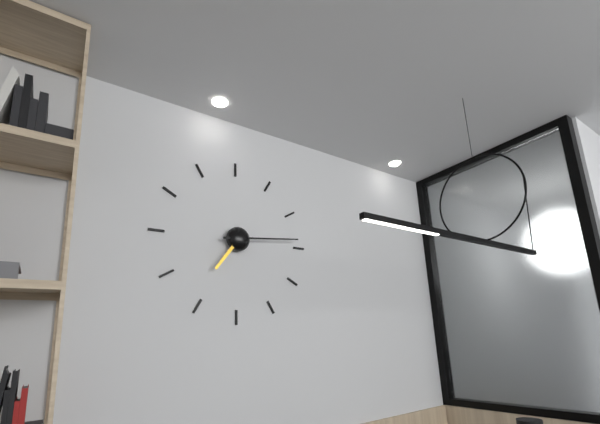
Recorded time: **7:14**
